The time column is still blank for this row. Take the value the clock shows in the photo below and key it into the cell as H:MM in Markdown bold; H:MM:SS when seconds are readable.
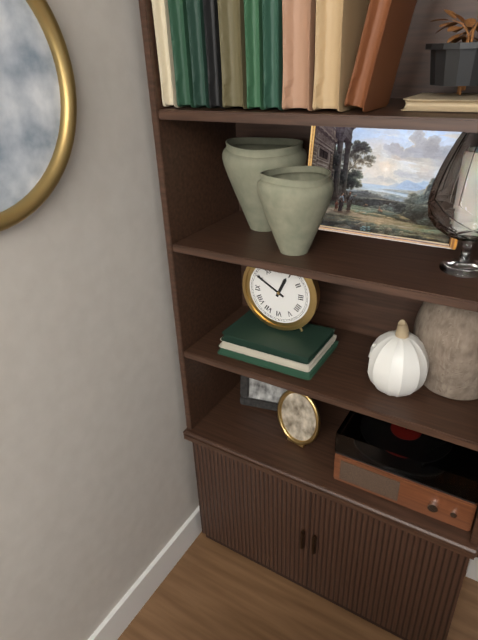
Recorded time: **12:50**
